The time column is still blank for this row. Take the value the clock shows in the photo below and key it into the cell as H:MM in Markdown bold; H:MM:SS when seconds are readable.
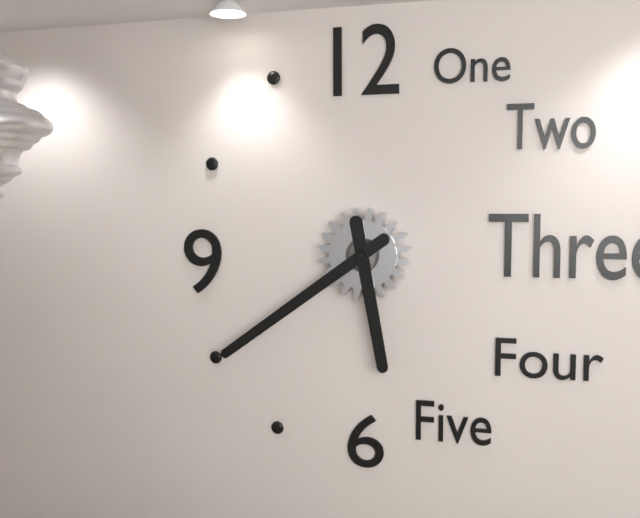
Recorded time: **5:39**
